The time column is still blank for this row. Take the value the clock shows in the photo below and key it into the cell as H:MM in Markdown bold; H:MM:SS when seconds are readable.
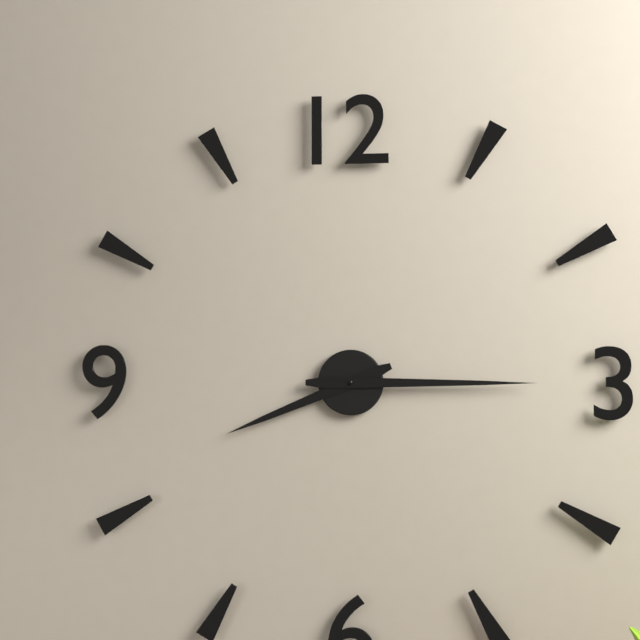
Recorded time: **8:15**
